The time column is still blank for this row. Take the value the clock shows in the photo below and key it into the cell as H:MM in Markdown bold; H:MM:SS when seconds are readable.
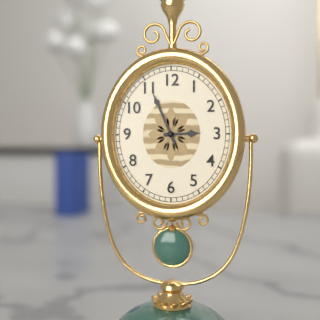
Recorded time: **2:56**
